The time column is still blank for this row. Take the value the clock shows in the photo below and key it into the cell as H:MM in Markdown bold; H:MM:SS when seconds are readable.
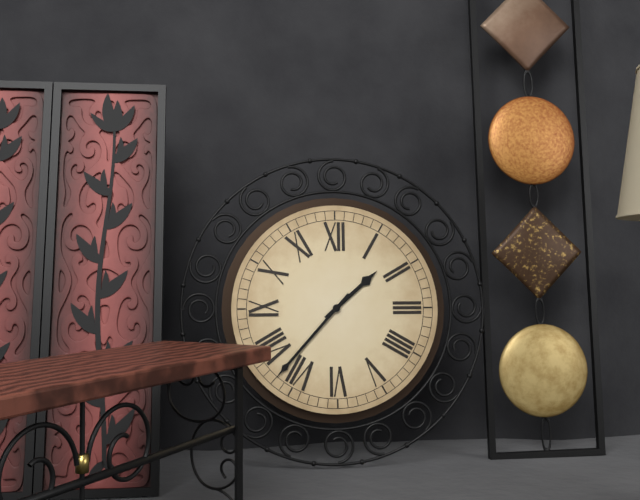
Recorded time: **1:37**
